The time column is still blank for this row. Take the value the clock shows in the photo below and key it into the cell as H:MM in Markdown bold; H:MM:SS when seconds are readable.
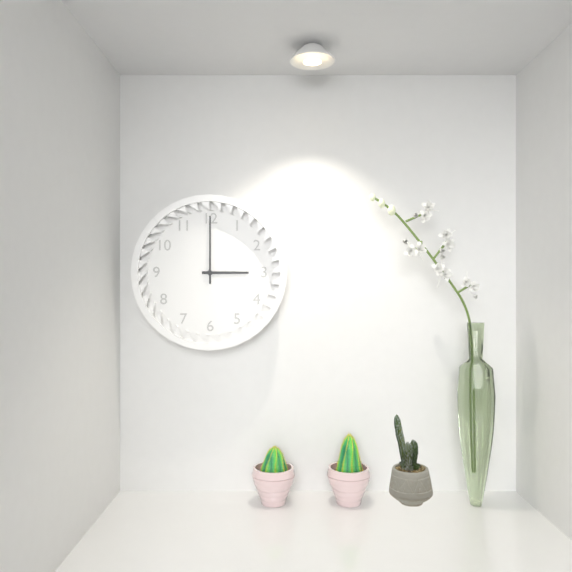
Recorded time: **3:00**
